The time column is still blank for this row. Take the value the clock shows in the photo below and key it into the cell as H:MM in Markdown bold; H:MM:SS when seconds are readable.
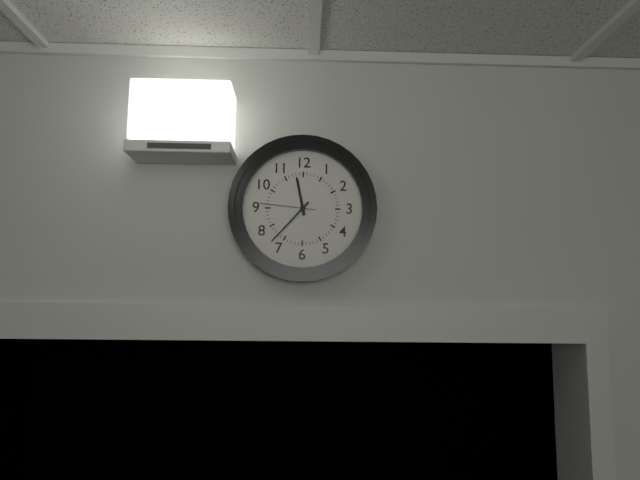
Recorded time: **11:37:46**
